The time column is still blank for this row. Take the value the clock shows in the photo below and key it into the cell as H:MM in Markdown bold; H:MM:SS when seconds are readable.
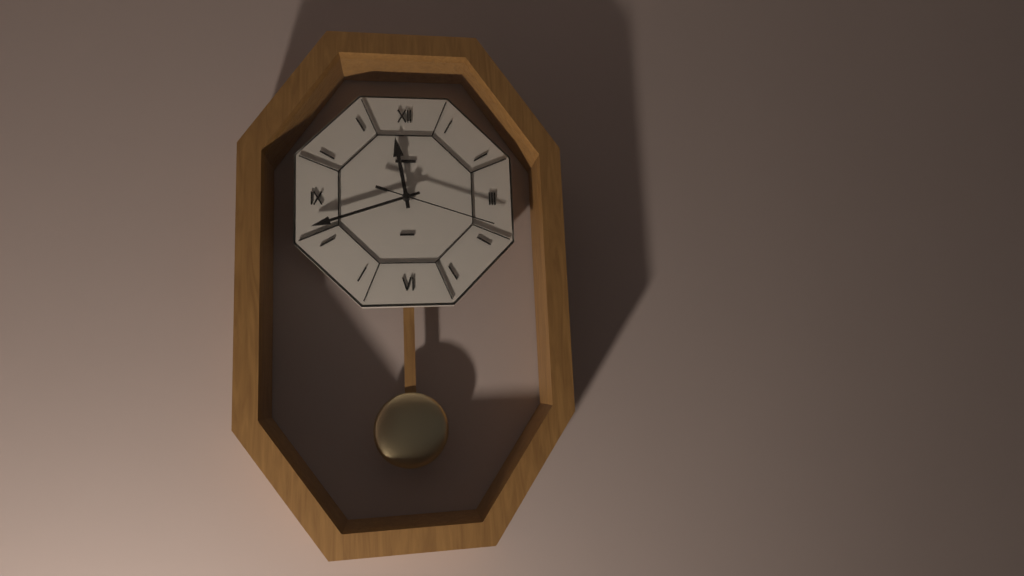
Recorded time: **11:42:18**
